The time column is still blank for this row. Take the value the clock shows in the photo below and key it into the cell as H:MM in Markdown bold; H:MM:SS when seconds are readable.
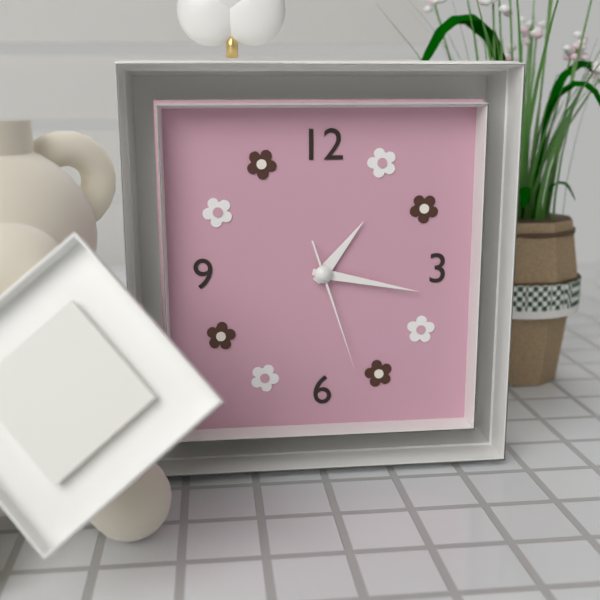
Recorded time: **1:17:27**
